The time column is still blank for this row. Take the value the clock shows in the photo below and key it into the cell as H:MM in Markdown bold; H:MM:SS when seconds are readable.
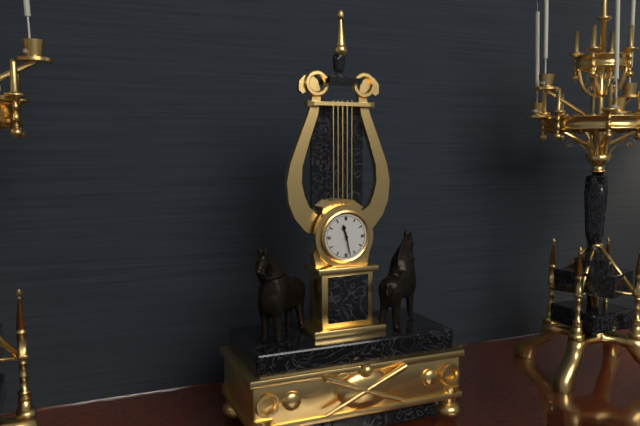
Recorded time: **11:28**
